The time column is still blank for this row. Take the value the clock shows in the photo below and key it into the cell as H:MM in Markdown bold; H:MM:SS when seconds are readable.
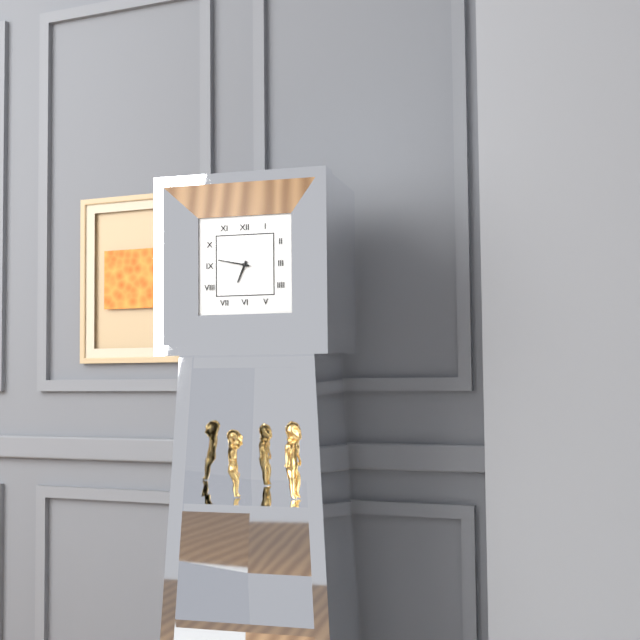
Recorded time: **6:47**
